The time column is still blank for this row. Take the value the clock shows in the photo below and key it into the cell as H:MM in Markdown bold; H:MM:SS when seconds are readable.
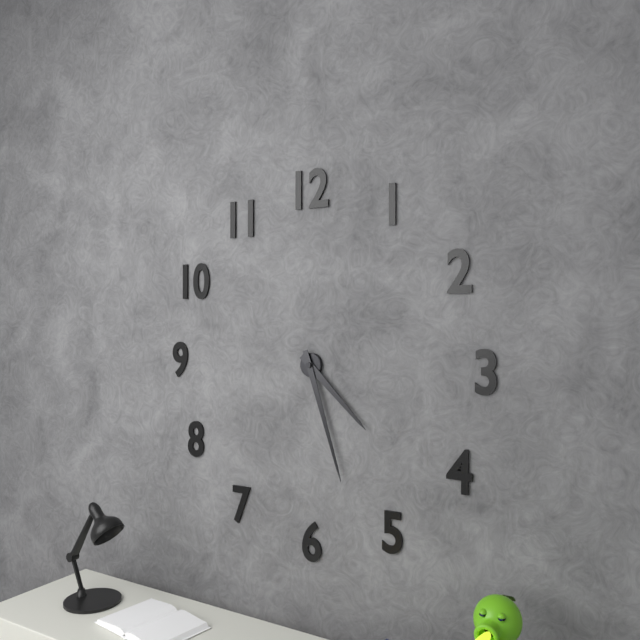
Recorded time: **4:27**
